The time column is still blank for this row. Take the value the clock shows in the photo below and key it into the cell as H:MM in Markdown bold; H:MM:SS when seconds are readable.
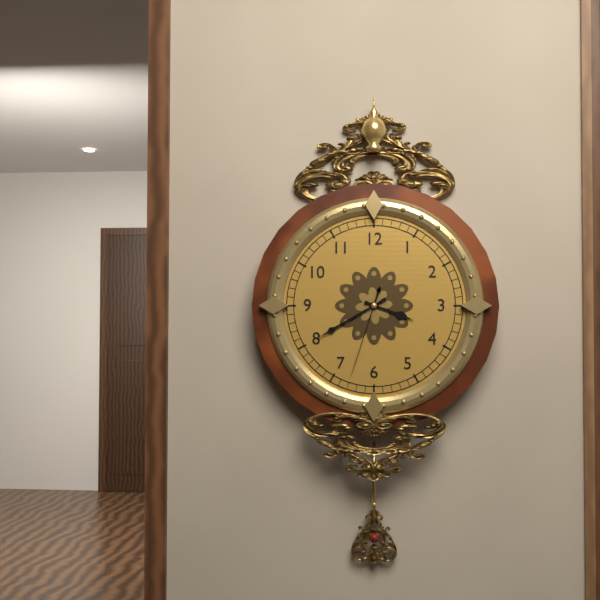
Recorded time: **3:40:33**
